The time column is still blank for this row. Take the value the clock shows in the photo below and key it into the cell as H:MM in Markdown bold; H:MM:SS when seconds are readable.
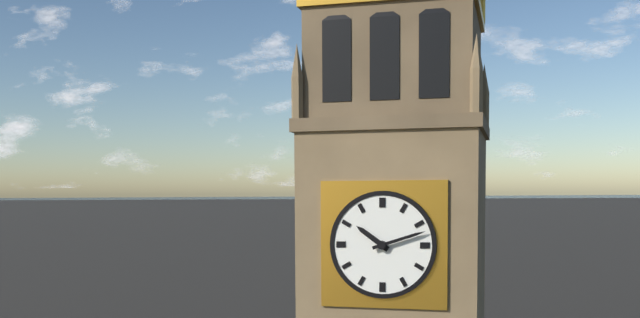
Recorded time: **10:12**
